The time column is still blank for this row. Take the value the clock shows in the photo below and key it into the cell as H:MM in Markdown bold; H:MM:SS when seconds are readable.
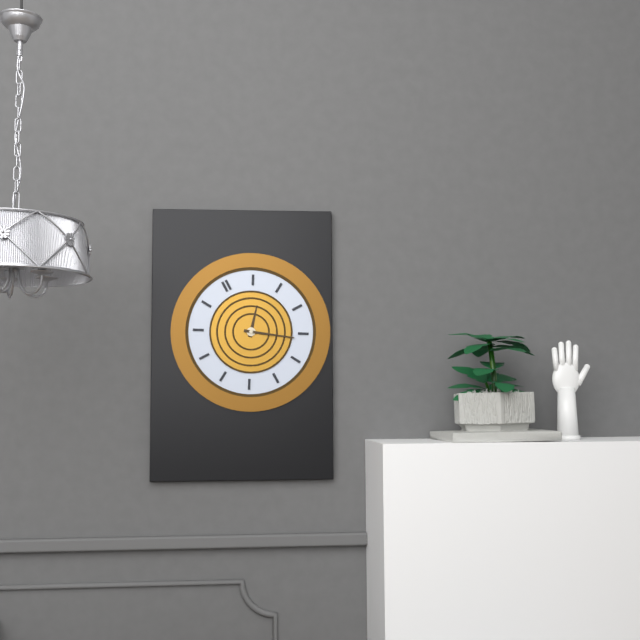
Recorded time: **1:21**
